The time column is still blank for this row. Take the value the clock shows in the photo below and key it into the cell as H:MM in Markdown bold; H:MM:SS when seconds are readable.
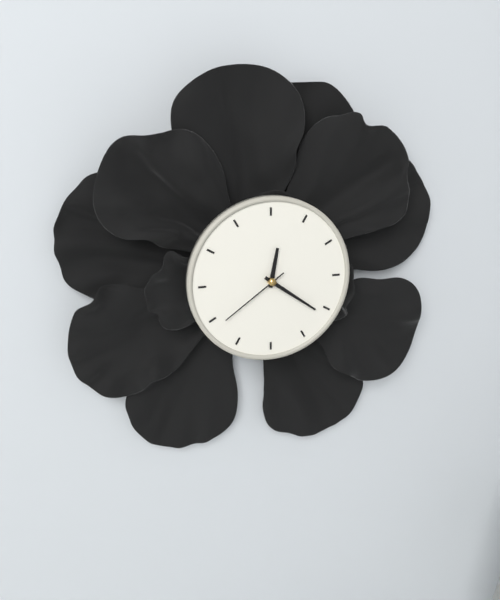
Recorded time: **12:21:39**
